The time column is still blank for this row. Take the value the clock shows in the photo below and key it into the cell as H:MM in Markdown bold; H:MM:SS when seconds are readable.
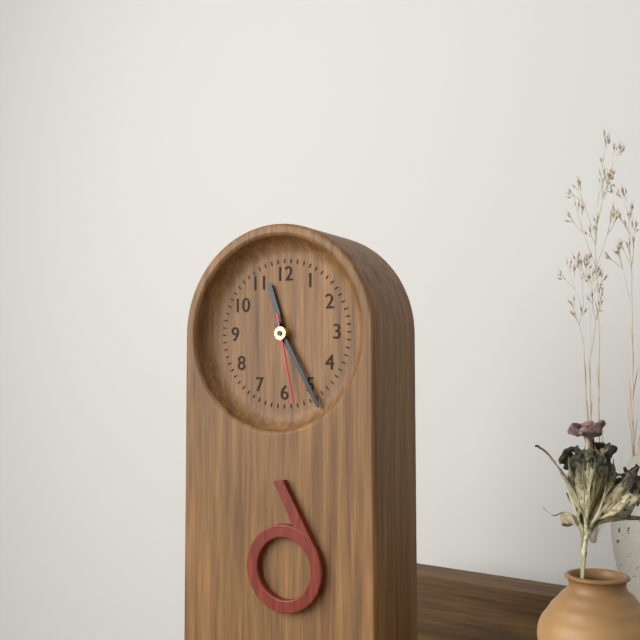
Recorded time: **11:25:28**
